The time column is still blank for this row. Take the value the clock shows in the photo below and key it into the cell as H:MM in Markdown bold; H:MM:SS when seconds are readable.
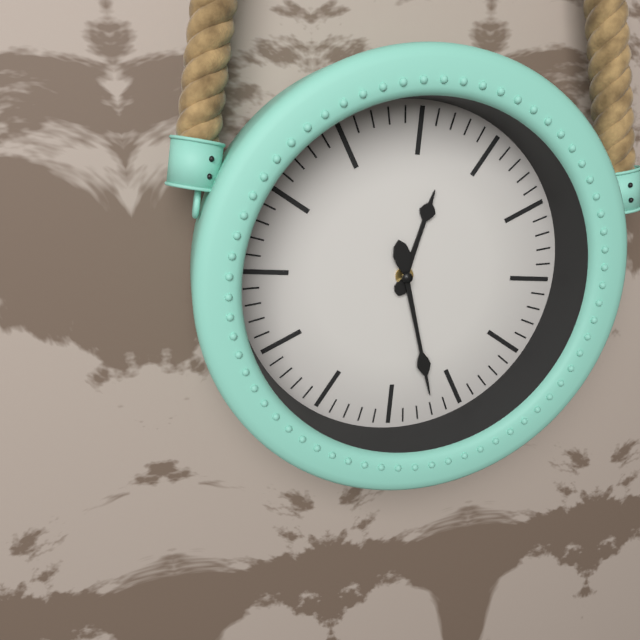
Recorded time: **12:27**
